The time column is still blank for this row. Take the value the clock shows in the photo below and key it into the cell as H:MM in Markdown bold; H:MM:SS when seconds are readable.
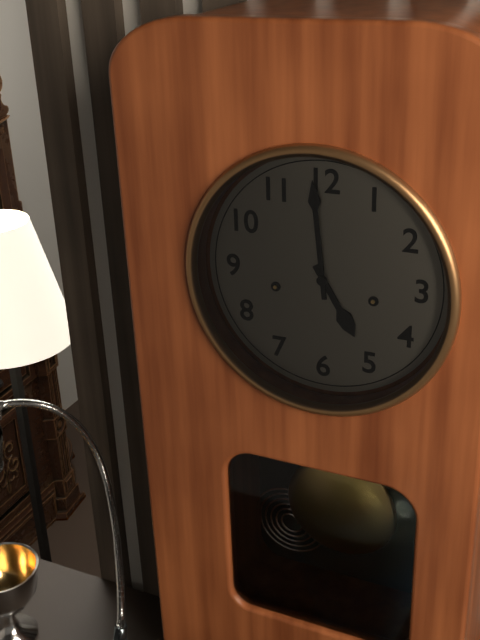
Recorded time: **4:59**
